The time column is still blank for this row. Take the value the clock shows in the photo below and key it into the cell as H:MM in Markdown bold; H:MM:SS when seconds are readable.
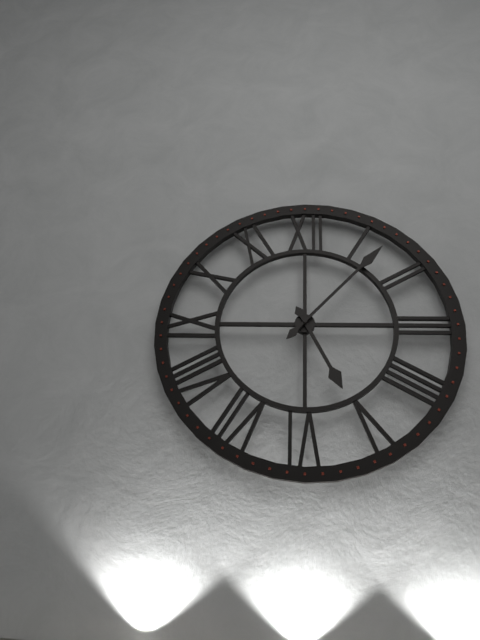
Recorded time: **5:07**
